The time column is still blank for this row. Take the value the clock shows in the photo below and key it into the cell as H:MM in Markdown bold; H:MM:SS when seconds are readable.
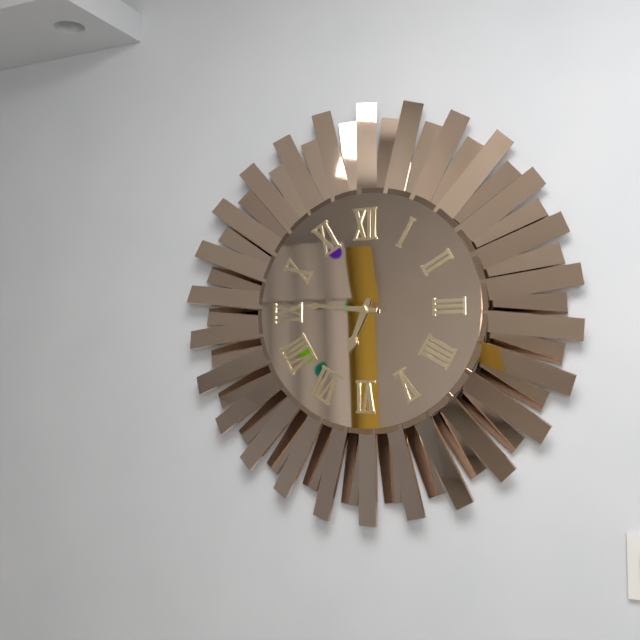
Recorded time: **6:46**
